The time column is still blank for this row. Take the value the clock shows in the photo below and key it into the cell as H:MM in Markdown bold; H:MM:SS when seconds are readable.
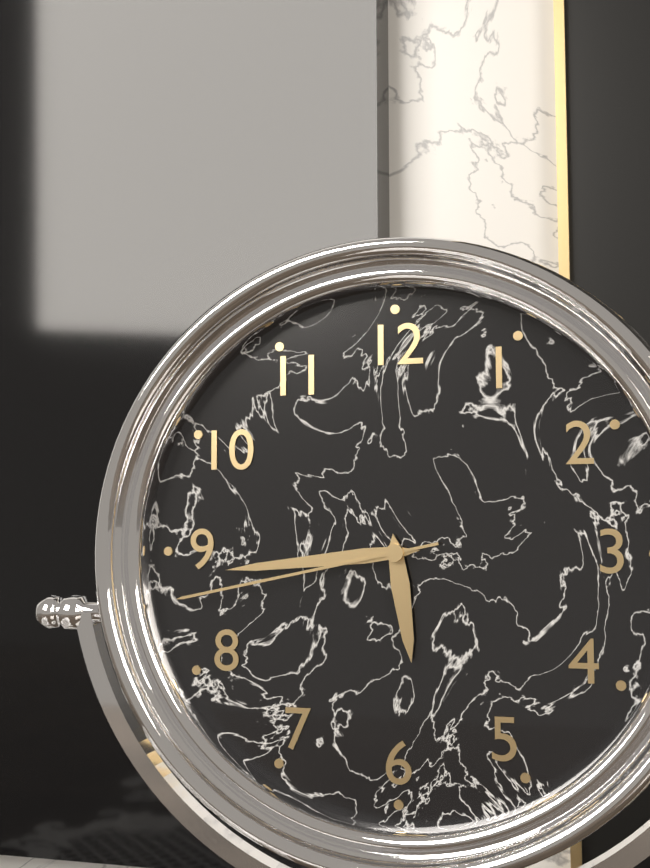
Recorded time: **5:44:43**
